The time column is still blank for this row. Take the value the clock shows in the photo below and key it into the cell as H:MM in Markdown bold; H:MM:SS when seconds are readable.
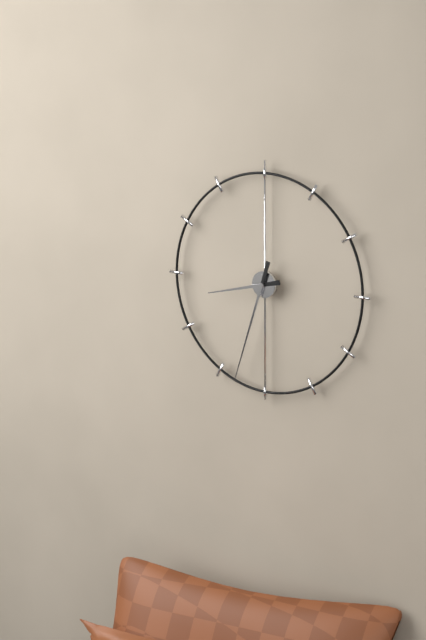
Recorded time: **8:33**
